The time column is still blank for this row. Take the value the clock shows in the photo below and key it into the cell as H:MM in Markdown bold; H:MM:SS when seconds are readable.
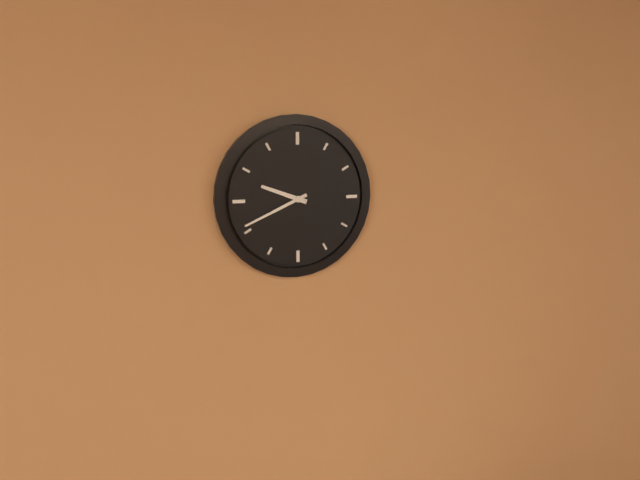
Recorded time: **9:41**
